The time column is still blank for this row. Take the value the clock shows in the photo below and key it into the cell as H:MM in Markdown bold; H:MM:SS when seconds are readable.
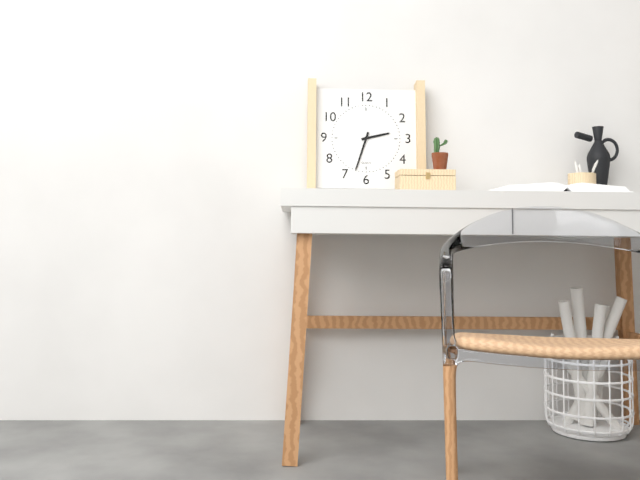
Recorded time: **2:33**
